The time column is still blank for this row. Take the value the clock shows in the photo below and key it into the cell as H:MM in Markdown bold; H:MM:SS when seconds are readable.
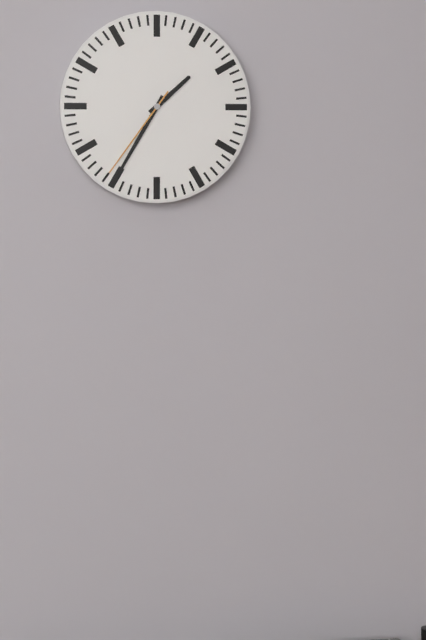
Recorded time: **1:35:36**
